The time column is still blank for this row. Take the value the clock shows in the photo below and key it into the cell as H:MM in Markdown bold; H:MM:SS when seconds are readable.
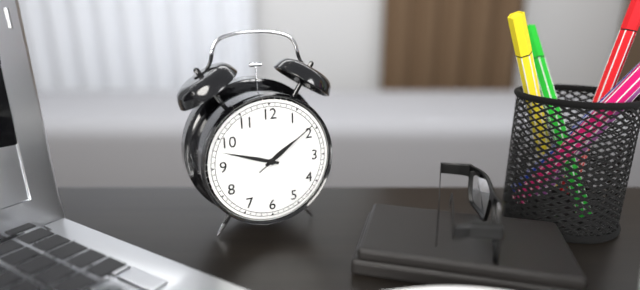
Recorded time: **1:48:09**
